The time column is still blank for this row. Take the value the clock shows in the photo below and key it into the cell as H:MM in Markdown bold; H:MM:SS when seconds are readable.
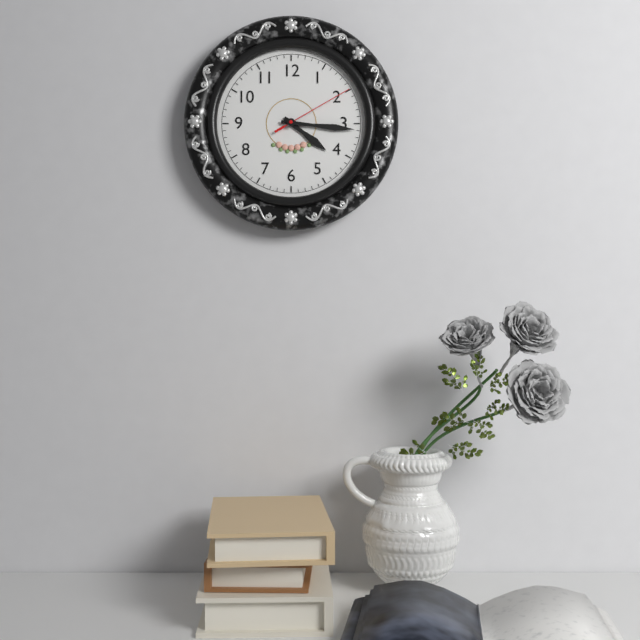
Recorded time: **4:16:10**
